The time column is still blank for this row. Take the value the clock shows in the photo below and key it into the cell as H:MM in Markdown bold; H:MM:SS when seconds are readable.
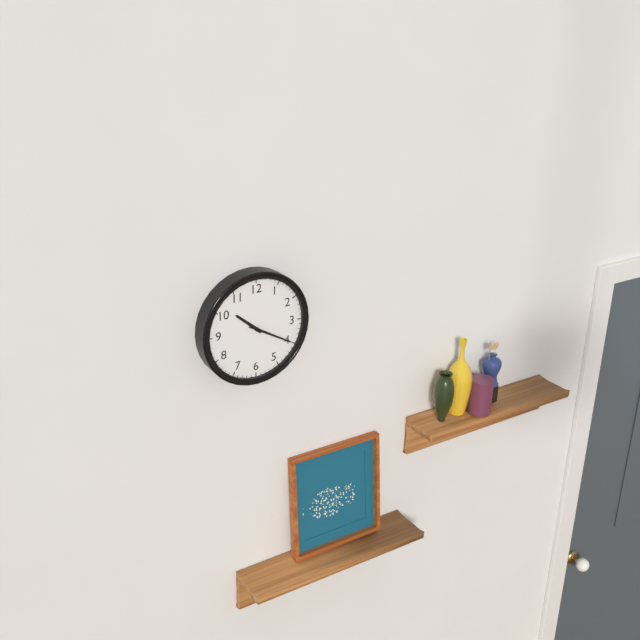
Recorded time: **10:20**
